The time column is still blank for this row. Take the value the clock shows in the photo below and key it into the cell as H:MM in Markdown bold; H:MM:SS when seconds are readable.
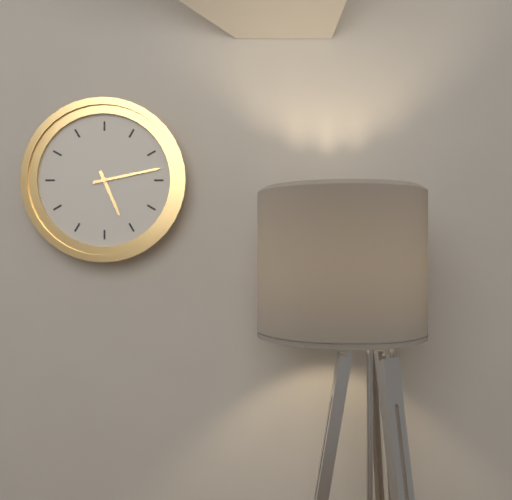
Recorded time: **5:13**
